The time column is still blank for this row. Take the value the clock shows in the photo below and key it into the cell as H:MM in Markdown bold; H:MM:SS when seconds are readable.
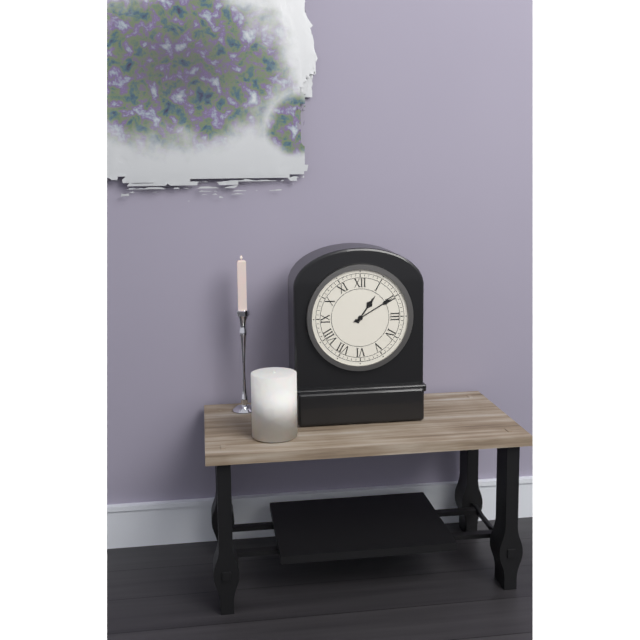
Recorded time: **1:10**
